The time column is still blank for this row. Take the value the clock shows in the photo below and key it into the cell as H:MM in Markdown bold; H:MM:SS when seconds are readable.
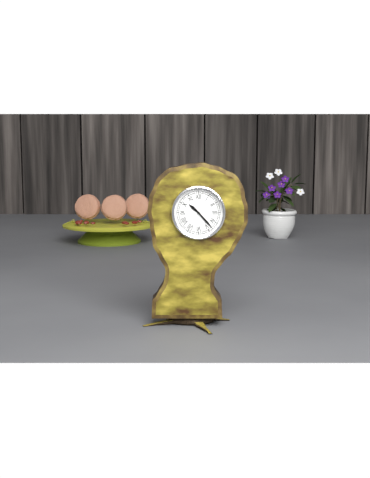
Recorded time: **10:23**
